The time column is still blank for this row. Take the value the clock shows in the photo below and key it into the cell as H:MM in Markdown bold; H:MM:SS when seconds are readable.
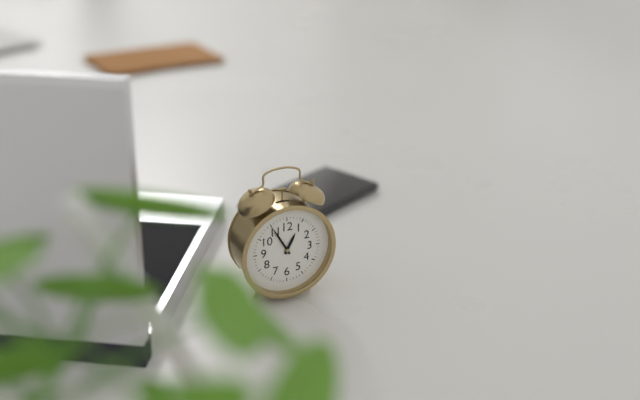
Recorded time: **12:55**
